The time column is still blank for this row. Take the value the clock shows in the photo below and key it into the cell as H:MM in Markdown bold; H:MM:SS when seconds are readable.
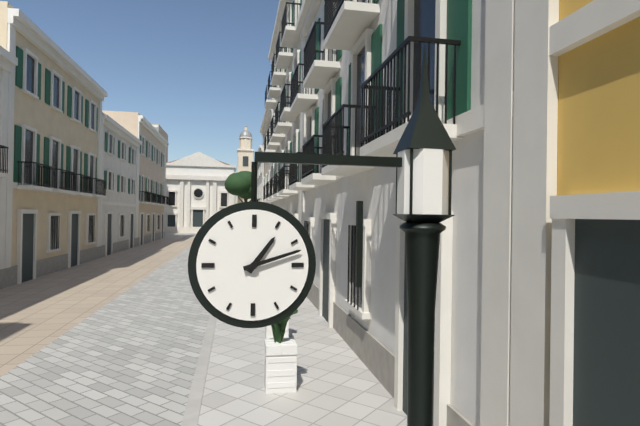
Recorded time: **1:12**
